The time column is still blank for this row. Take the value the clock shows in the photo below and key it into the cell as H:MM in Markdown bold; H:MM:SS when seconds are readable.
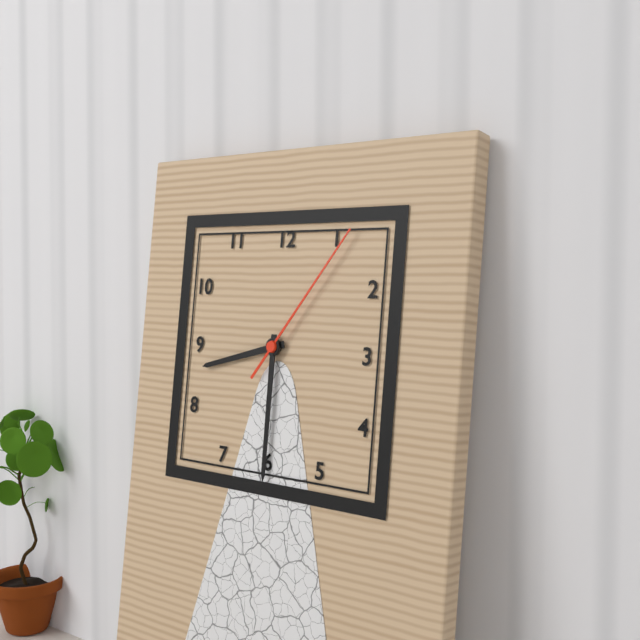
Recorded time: **8:30:06**
